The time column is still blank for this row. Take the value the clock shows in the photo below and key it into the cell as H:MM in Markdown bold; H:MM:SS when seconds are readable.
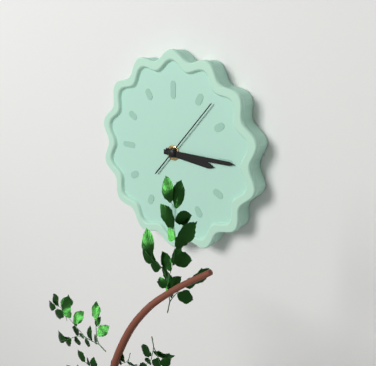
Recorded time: **3:15:07**
